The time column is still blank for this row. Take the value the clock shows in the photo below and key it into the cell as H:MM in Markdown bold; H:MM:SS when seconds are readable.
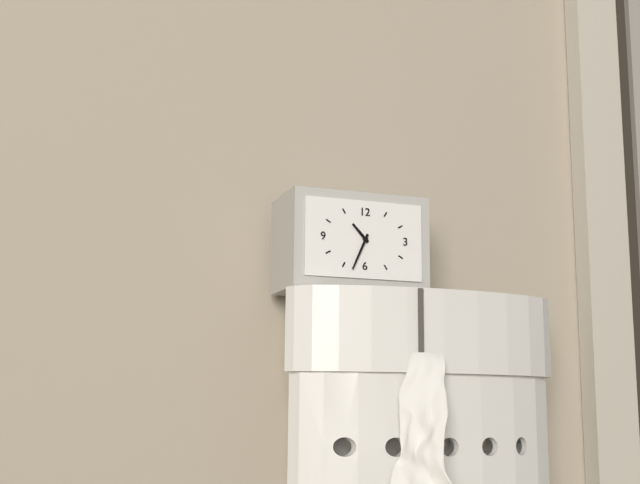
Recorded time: **10:34**
